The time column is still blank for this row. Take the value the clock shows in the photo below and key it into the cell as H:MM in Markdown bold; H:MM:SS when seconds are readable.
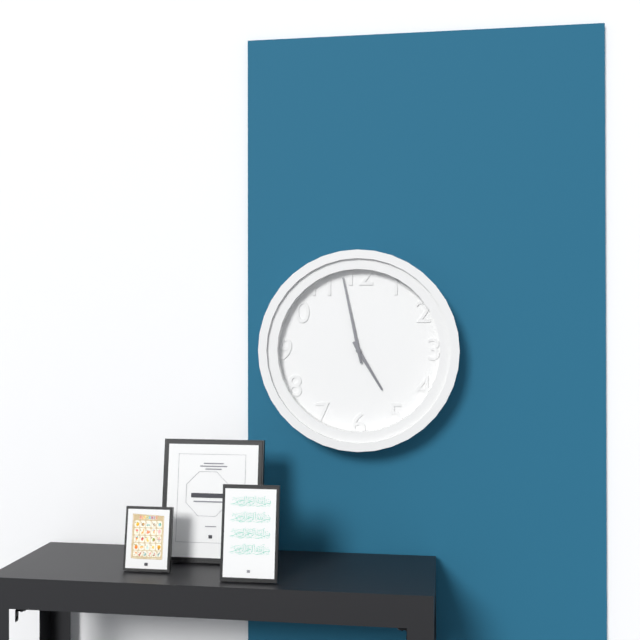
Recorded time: **4:58**
